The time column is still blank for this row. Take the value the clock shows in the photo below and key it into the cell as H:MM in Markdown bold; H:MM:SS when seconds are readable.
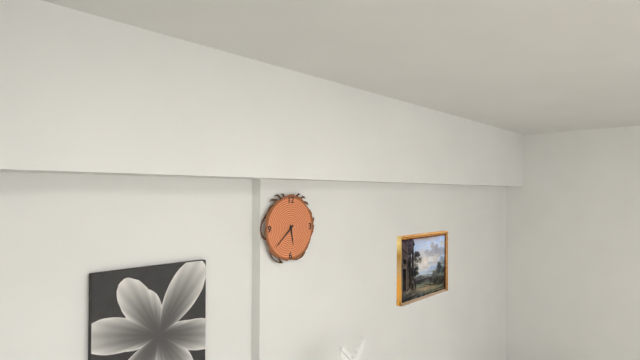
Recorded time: **5:38**
